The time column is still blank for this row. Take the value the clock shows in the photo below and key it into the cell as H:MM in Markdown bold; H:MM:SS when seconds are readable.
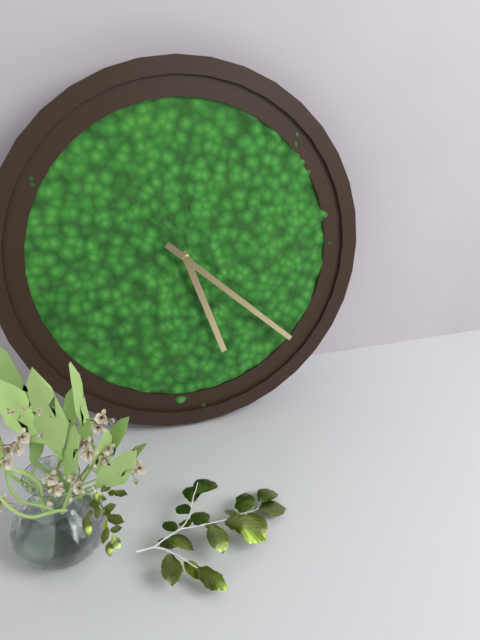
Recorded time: **5:22**
